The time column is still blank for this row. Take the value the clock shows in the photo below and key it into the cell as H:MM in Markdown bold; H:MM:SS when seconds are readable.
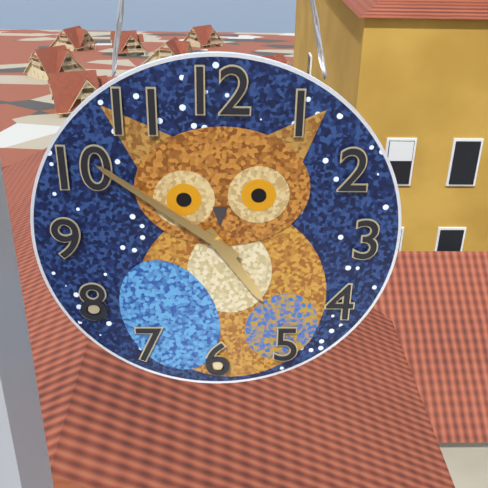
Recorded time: **4:51**
